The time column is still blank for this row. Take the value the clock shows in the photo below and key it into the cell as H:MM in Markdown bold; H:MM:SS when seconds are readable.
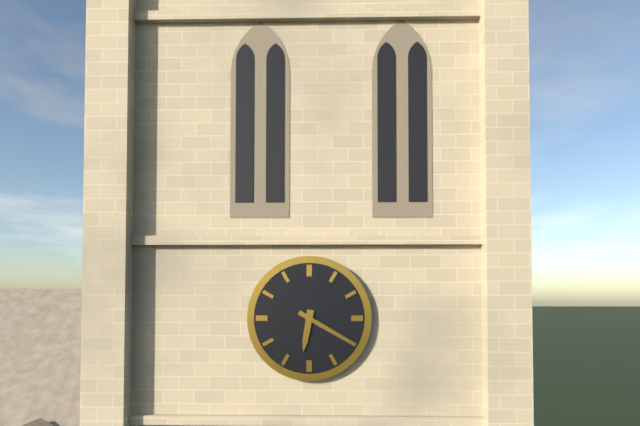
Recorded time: **6:20**
